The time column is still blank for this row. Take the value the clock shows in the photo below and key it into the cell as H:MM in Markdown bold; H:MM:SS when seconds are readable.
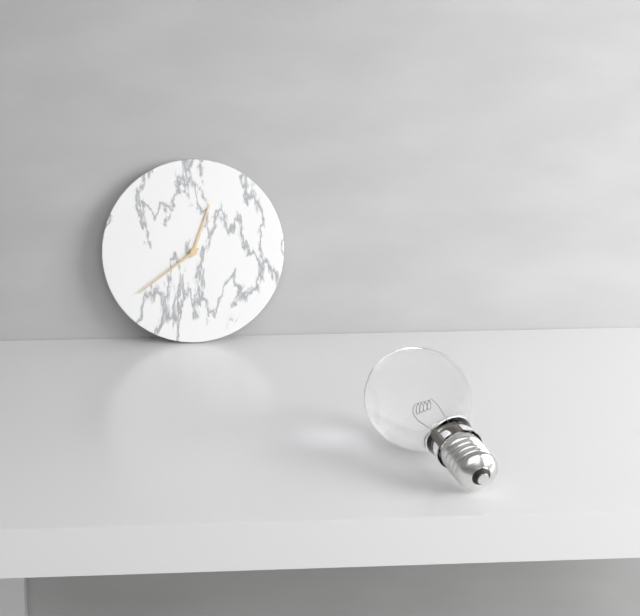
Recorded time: **12:39**
